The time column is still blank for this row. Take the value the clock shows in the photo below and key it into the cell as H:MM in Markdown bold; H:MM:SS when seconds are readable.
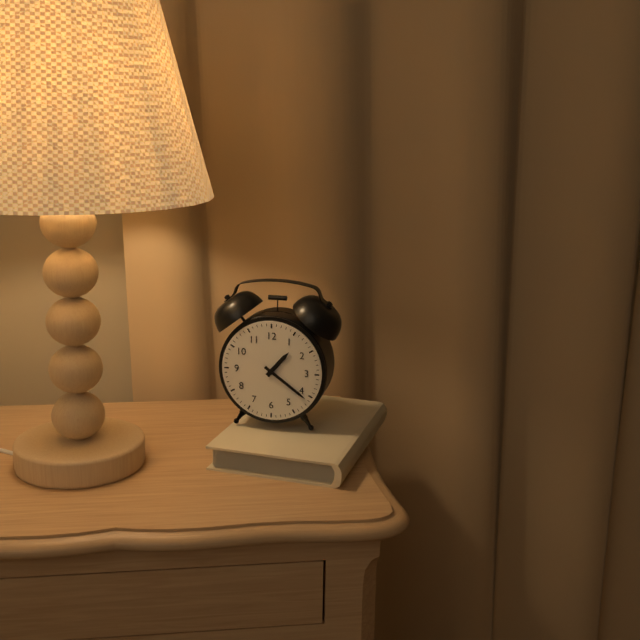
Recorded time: **1:21**
